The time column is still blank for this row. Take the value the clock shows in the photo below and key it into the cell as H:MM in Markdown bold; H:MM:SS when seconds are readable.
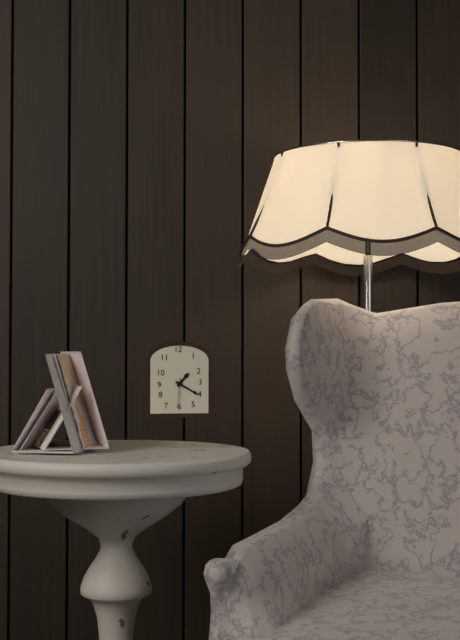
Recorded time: **1:20**
